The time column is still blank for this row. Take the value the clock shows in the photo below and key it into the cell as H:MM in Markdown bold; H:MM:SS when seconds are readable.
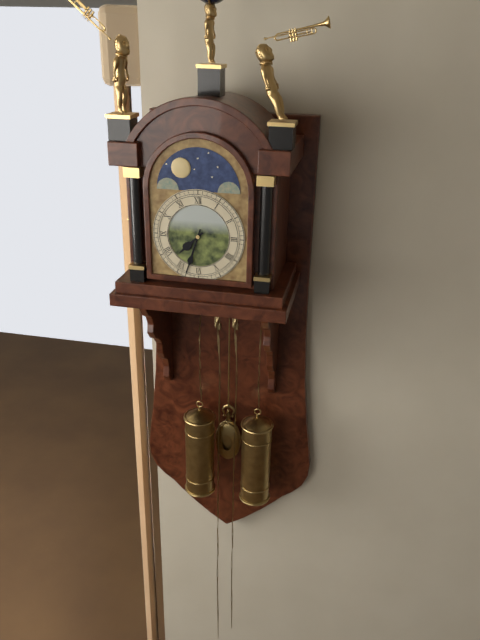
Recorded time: **7:33**
